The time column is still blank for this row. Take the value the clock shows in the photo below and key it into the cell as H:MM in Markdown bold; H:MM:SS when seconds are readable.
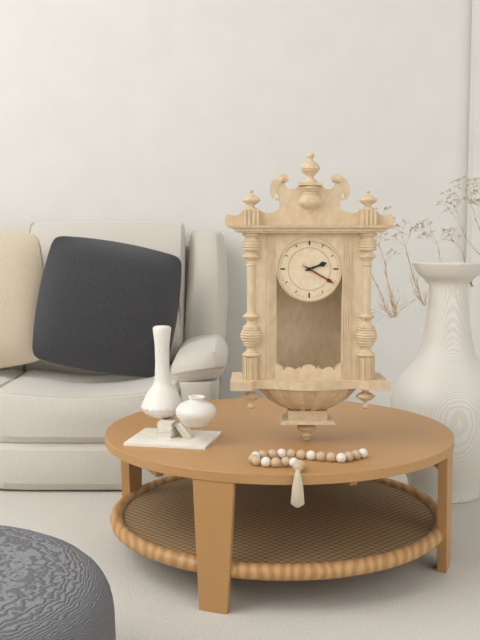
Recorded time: **2:20**
